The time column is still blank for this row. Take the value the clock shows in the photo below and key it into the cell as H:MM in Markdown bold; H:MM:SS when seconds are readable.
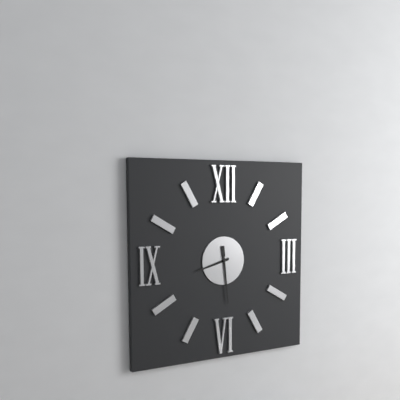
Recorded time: **8:29**
